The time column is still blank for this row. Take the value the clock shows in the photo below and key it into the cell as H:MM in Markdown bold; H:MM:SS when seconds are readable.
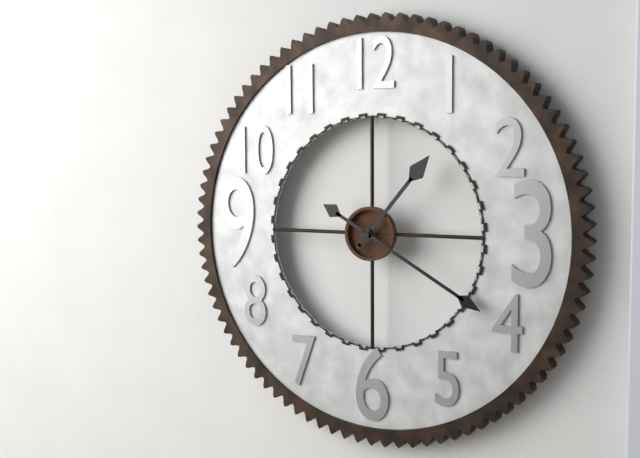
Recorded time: **1:20**
